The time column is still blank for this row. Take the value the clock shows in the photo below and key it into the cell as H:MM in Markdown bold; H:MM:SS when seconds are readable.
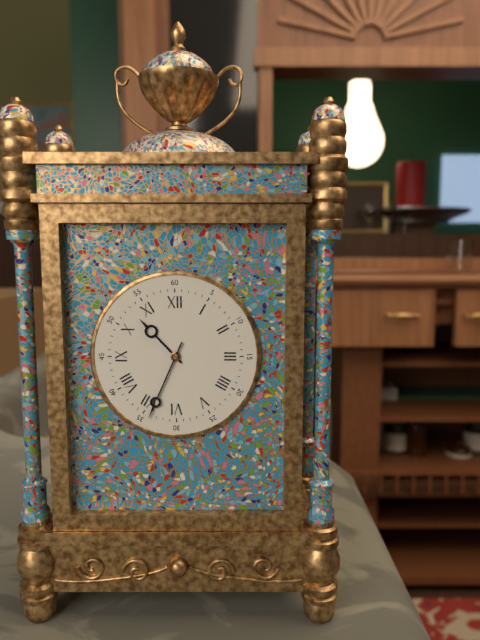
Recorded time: **10:34**
